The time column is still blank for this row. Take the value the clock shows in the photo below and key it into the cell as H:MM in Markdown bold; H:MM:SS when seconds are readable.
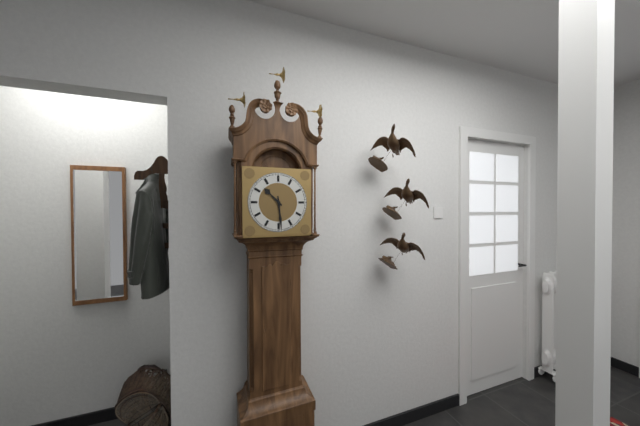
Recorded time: **10:29**
